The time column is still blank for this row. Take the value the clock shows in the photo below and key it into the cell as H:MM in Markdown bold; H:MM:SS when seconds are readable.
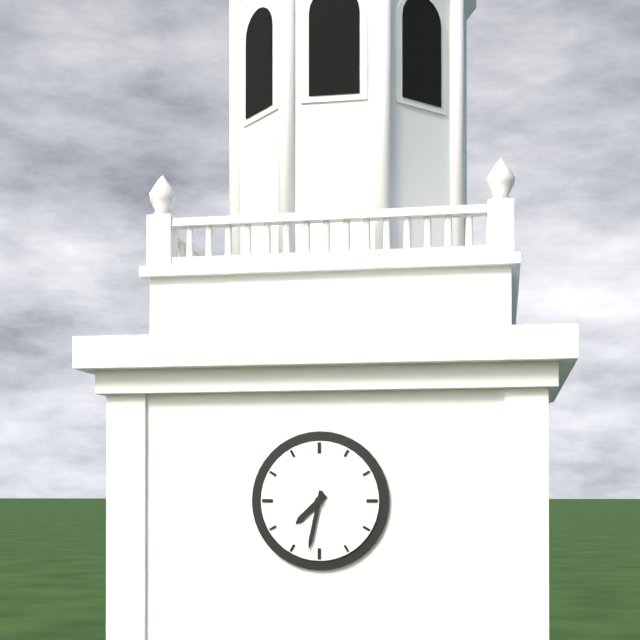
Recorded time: **7:32**
